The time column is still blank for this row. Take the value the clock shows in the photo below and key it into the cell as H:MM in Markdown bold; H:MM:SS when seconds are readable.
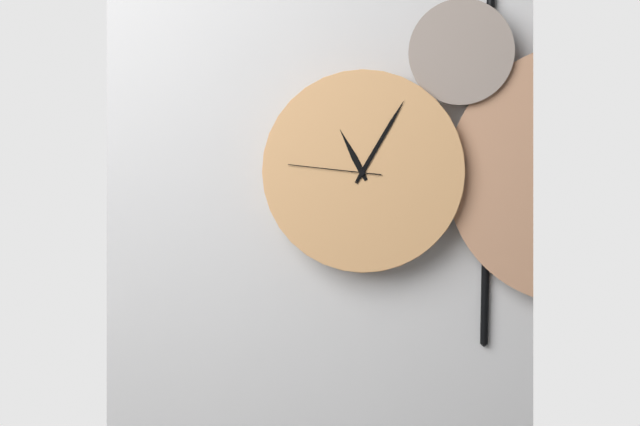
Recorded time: **11:05:46**
